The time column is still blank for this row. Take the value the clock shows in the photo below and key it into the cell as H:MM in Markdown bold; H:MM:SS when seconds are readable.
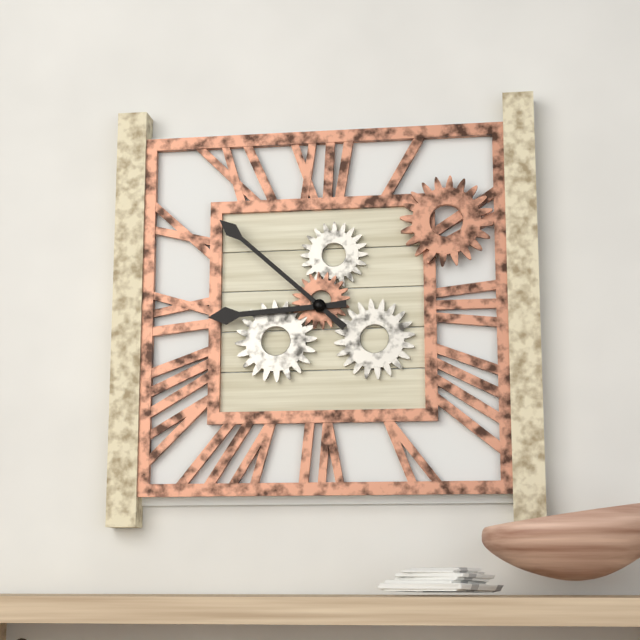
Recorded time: **8:52**
